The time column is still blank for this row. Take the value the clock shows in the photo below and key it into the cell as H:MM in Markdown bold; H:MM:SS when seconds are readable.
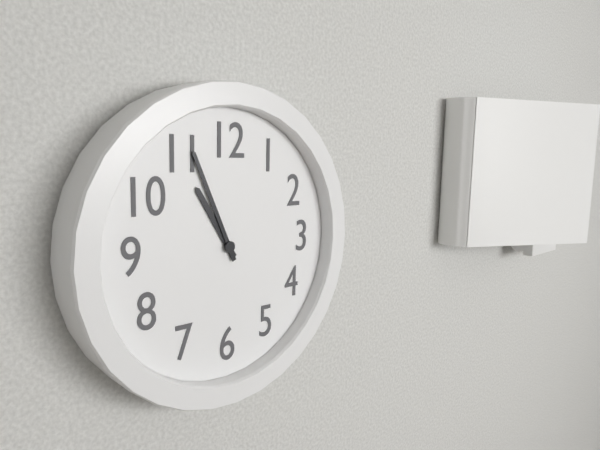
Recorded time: **10:56**
